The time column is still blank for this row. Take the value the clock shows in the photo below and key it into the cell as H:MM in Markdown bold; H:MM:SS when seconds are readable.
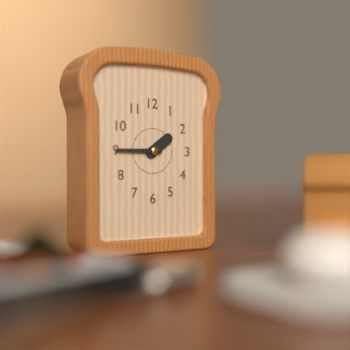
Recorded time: **1:45**
